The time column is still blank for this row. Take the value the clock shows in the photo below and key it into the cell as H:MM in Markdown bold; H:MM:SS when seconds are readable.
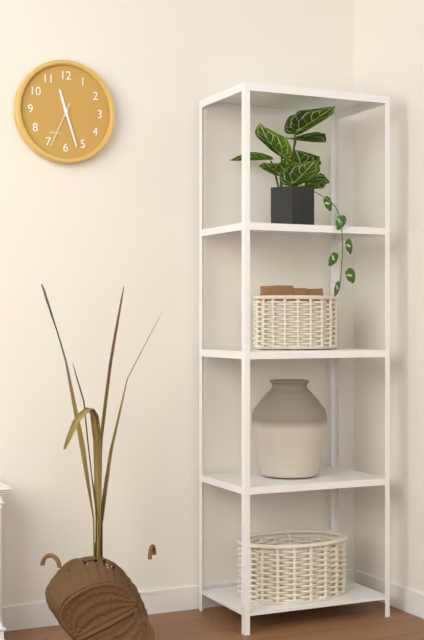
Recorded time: **11:27**
